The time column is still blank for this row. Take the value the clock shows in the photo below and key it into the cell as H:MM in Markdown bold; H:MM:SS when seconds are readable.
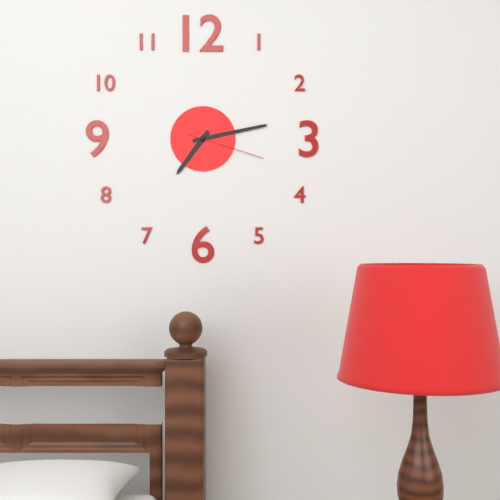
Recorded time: **7:13:18**
